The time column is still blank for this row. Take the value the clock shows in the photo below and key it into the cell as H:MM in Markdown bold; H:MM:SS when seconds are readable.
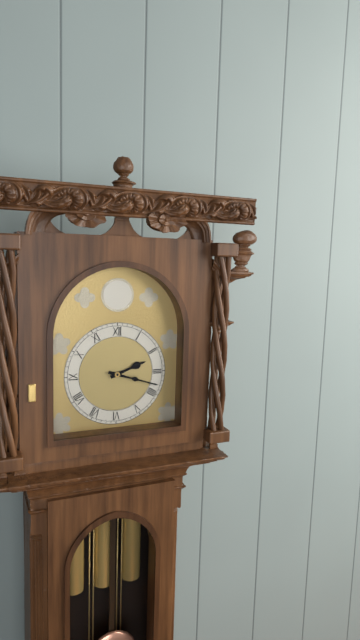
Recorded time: **2:18**
